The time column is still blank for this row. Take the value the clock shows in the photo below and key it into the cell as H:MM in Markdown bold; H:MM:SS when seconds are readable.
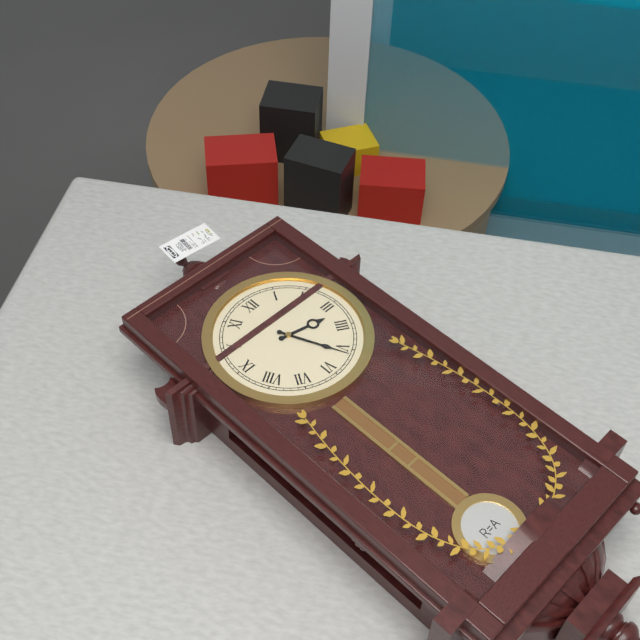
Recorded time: **3:26**
